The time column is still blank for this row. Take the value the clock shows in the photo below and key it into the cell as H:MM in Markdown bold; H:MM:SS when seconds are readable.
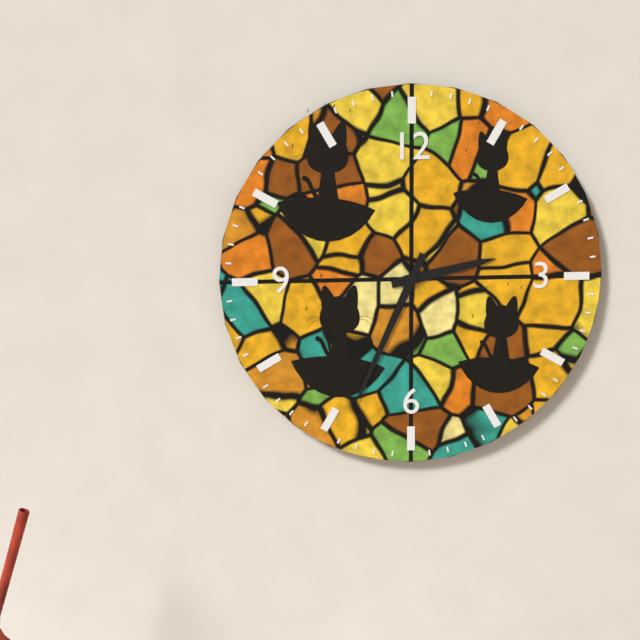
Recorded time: **2:34**
